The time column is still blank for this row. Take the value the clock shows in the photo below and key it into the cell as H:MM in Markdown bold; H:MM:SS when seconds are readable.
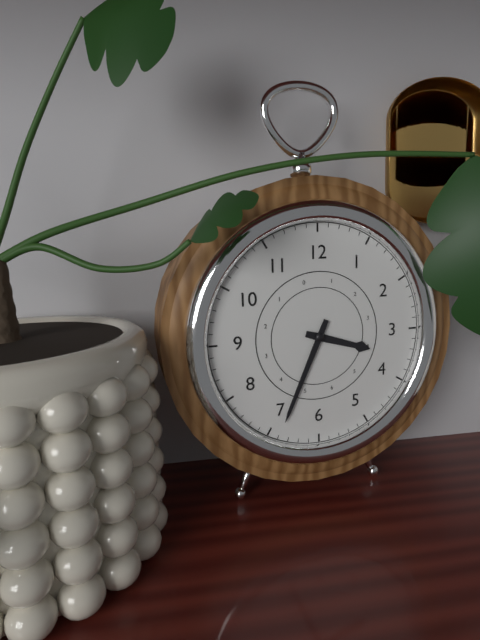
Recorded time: **3:34**
